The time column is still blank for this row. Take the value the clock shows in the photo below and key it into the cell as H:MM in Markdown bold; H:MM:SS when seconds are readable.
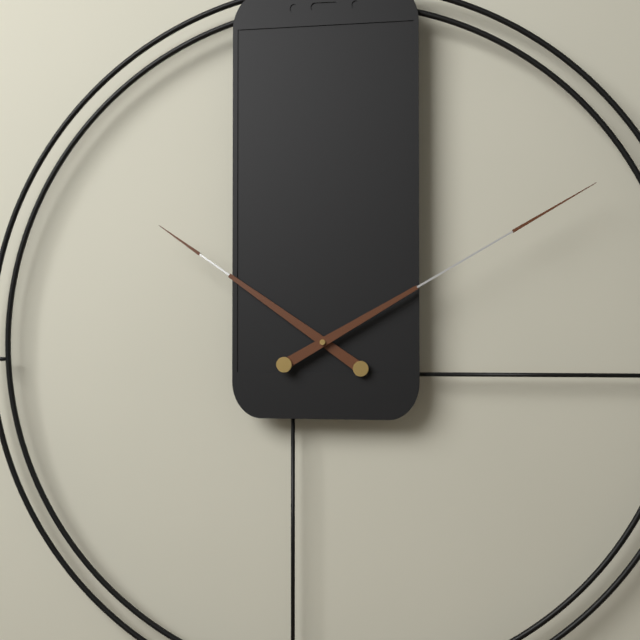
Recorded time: **10:10**
